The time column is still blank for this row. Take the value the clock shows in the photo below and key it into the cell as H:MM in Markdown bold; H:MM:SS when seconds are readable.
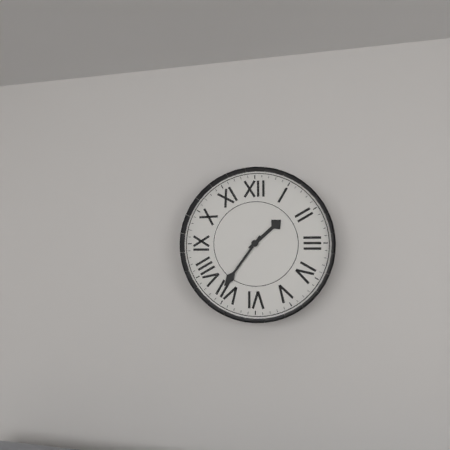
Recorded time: **1:36**
